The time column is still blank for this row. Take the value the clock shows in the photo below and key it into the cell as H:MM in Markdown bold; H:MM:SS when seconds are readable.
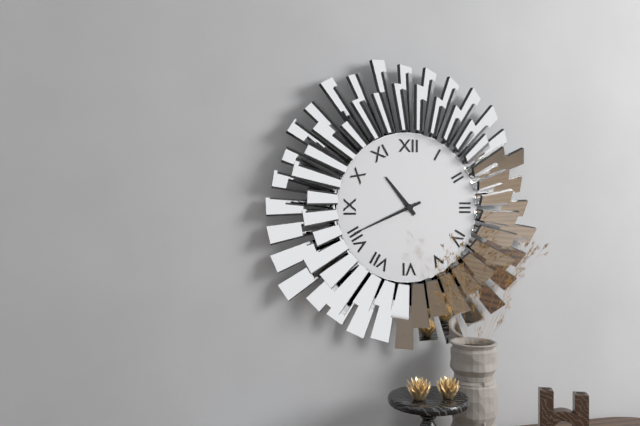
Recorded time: **10:41**
